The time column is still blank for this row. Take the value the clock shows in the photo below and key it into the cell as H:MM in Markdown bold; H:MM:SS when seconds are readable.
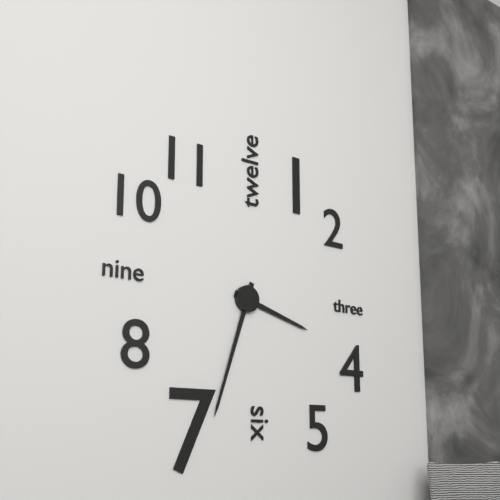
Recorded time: **3:33**
